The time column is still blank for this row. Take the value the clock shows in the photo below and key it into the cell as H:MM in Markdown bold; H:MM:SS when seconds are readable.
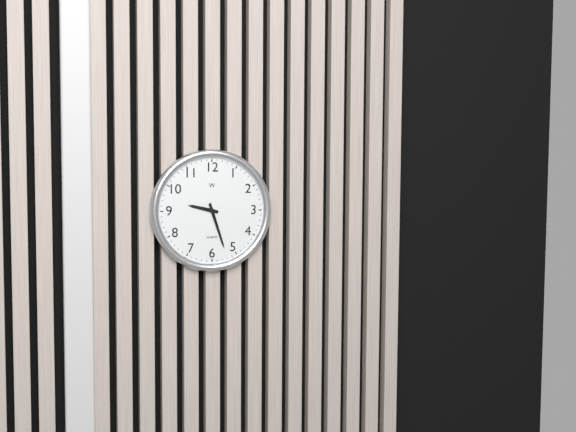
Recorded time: **9:27**
